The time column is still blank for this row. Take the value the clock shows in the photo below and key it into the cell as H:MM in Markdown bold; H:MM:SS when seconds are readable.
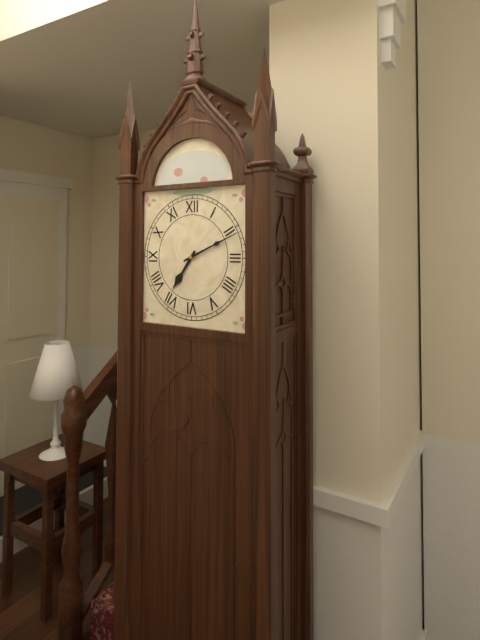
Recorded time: **7:11**
